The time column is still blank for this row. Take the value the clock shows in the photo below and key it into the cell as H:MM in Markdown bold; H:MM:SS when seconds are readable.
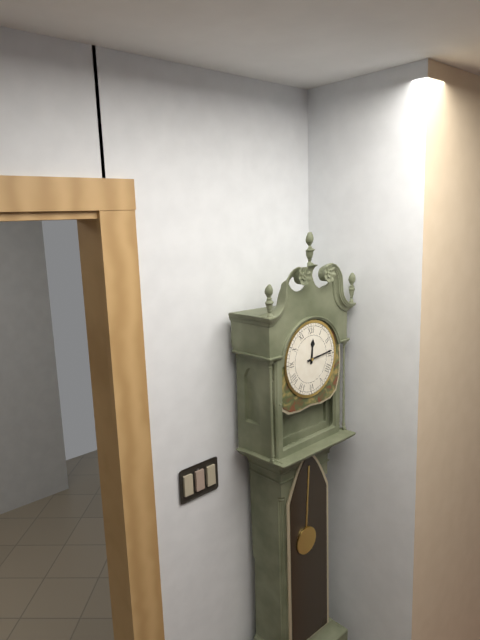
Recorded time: **12:14**
